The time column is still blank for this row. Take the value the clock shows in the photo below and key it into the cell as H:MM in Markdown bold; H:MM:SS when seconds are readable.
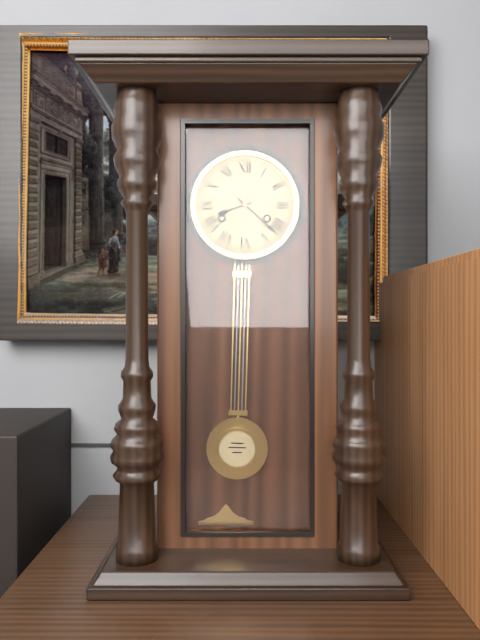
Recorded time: **8:22**
